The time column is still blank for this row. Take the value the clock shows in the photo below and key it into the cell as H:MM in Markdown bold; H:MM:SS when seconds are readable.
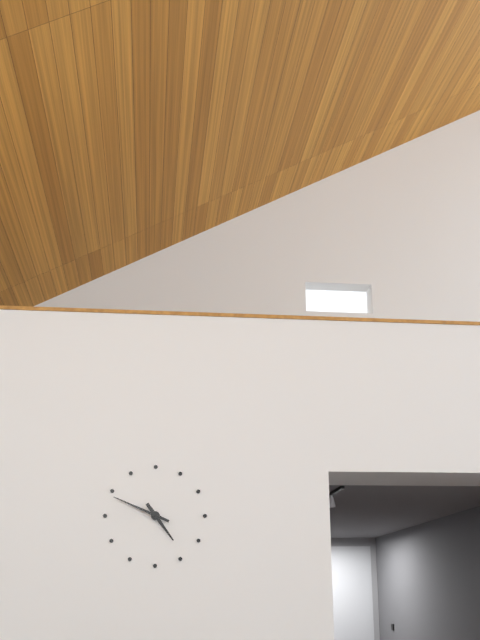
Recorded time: **4:49**
